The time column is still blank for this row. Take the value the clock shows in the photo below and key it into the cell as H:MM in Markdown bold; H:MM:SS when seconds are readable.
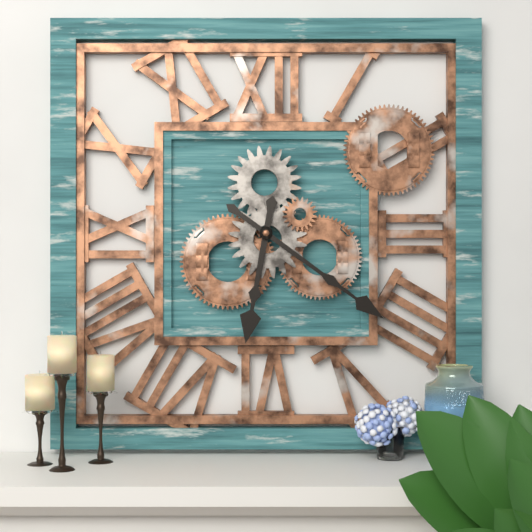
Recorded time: **6:21**
